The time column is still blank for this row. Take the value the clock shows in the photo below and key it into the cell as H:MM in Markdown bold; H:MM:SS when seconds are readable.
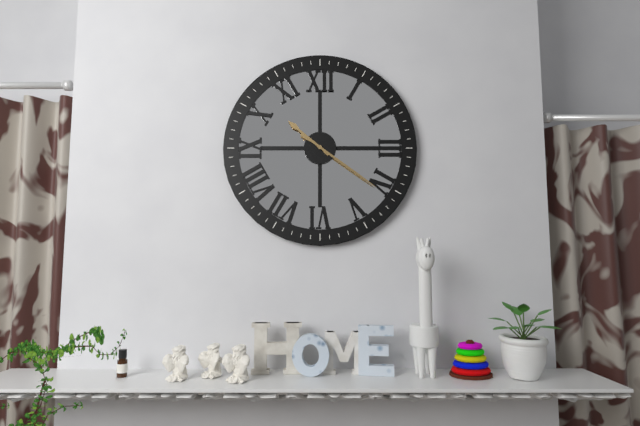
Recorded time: **10:21**
